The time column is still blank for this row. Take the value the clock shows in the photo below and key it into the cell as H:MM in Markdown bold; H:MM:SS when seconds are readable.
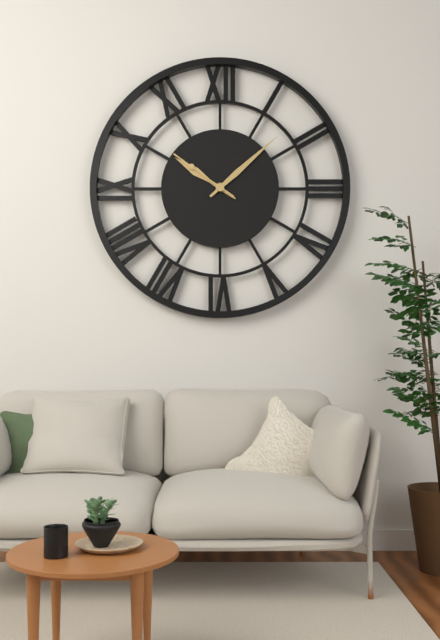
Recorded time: **10:08:51**
